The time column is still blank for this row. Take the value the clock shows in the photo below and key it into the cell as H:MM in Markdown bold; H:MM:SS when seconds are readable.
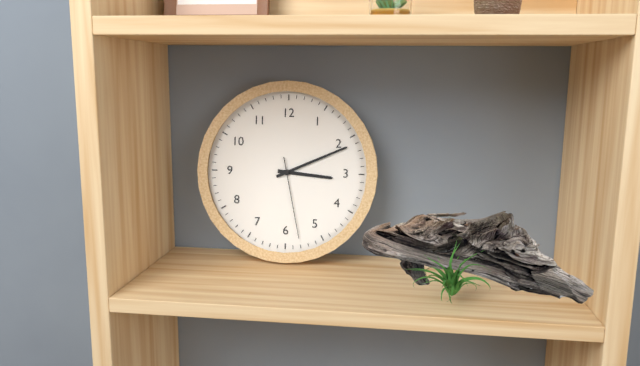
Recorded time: **3:11:28**
